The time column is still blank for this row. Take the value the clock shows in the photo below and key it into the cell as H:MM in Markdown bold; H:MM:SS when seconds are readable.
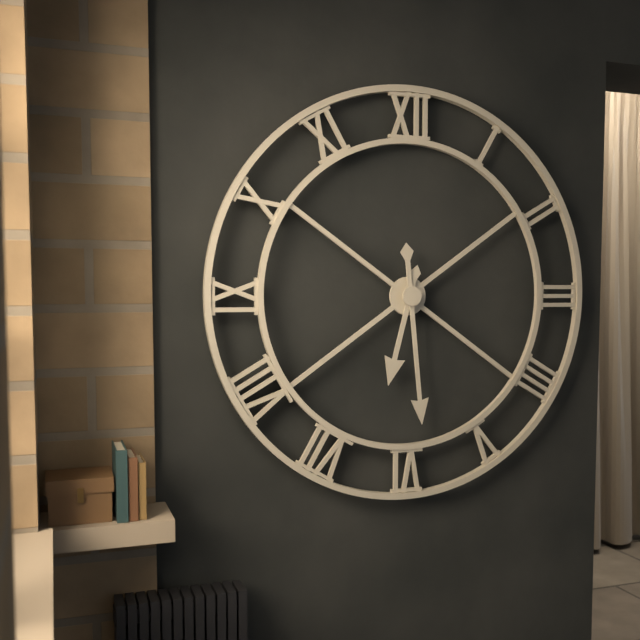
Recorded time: **6:29**
